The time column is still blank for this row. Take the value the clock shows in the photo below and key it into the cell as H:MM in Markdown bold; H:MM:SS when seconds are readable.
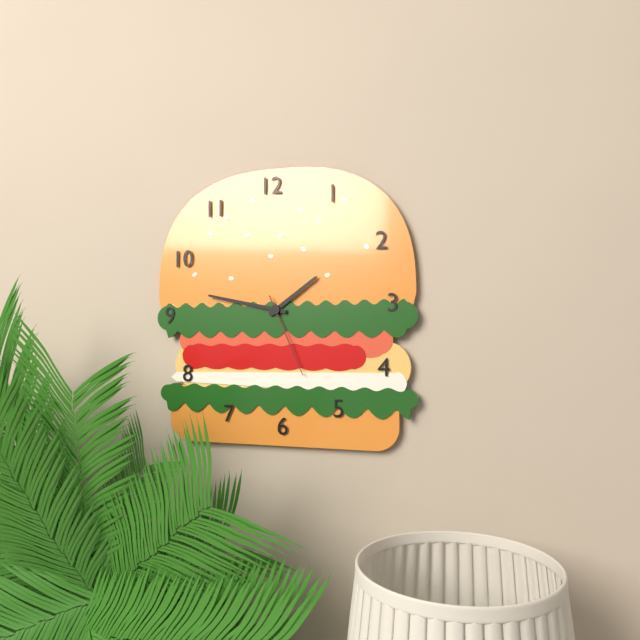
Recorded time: **1:47:26**
